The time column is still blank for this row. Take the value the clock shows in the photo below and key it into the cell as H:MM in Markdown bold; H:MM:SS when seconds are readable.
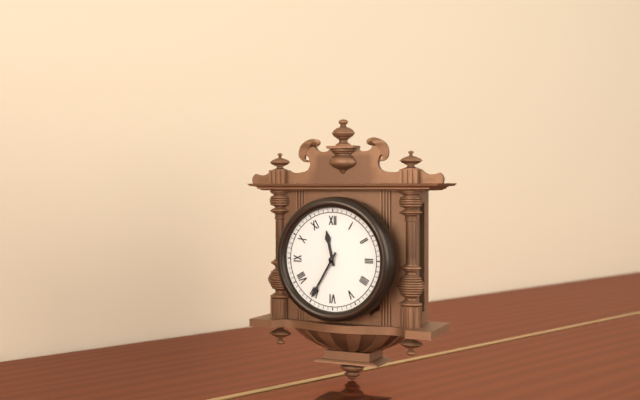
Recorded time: **11:35**
